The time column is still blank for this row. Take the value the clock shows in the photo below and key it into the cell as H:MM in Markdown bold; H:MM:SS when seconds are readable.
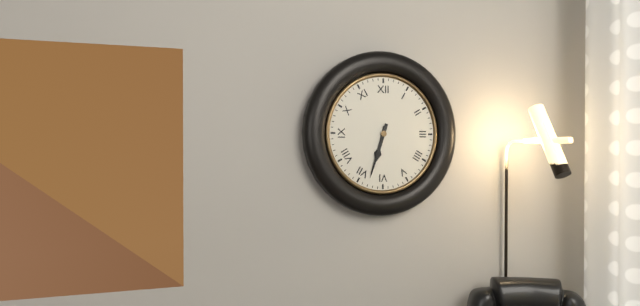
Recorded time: **6:33**
